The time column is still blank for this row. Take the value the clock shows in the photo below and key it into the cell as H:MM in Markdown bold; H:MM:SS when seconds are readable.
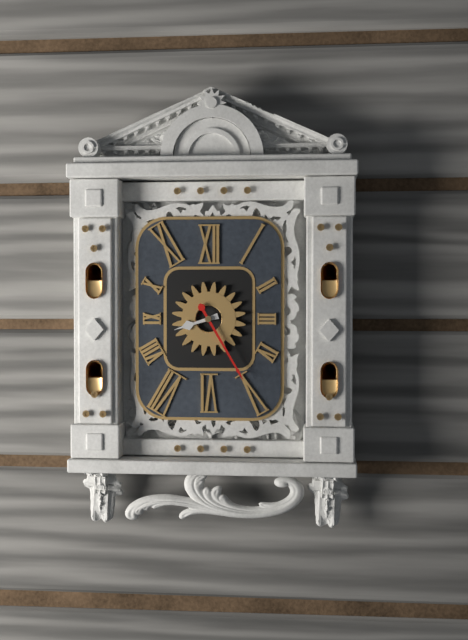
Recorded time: **8:25**
